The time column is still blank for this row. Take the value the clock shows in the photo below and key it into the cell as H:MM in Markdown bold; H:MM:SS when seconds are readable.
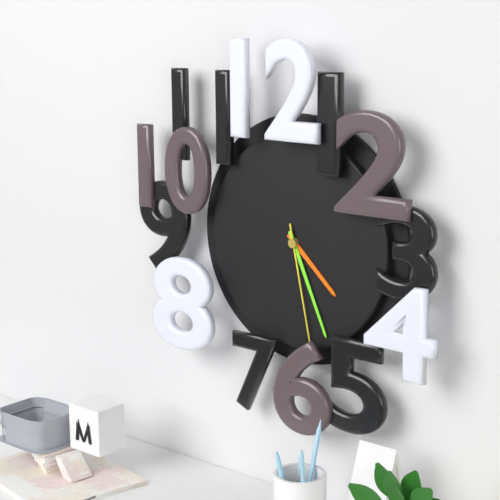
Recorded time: **4:26:28**
